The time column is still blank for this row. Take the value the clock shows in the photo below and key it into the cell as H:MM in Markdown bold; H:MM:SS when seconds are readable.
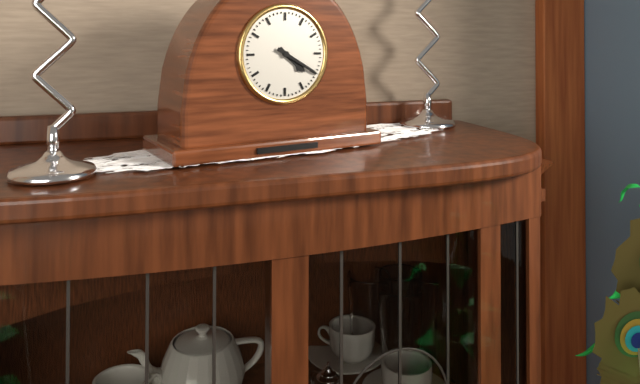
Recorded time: **4:20**
